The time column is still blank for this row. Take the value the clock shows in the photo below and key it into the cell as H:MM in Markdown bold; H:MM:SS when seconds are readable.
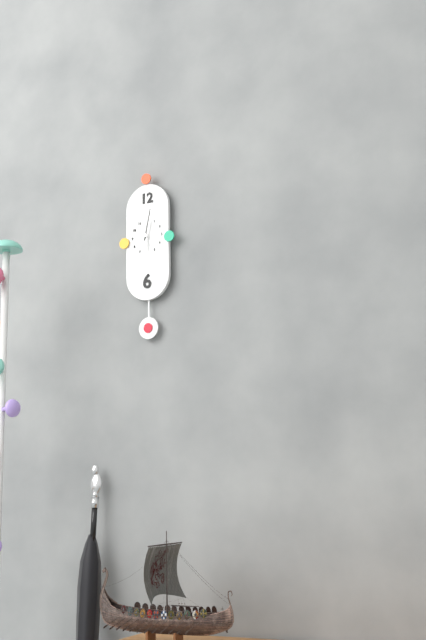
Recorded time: **6:02**
